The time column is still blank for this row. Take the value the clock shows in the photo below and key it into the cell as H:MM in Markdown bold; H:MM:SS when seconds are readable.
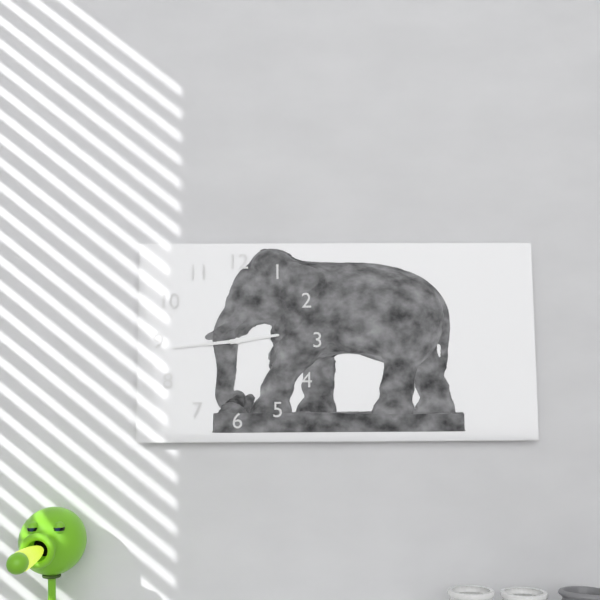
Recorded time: **2:44**
